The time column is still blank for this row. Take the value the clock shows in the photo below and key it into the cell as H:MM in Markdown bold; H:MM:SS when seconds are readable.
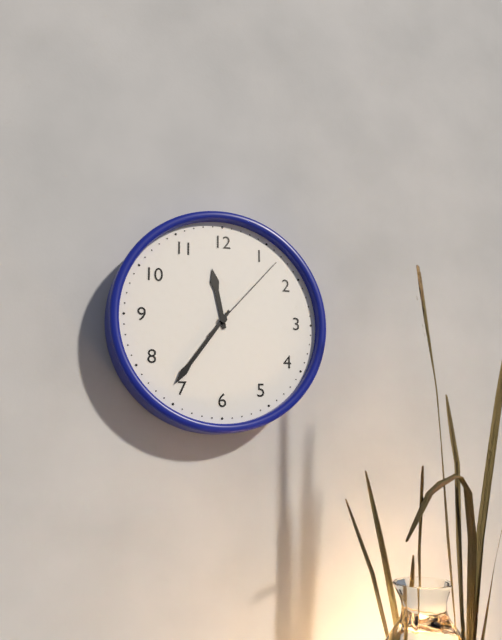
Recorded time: **11:36:07**
